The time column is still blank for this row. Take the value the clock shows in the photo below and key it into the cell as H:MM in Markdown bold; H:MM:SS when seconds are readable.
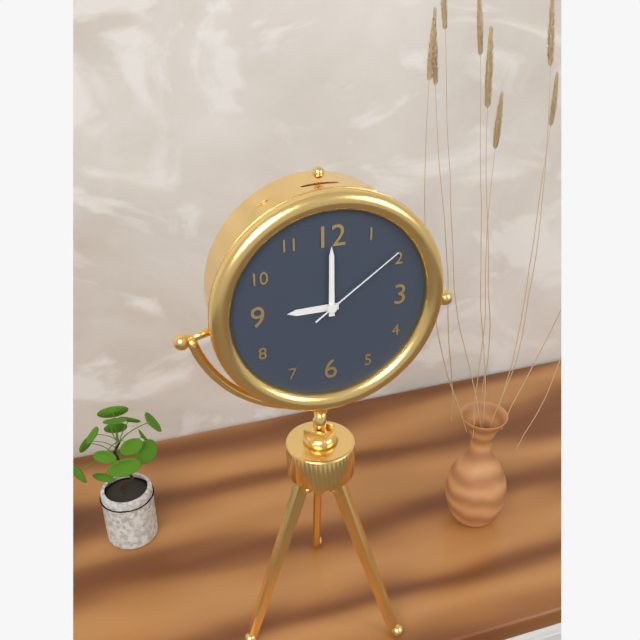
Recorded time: **9:00:09**
